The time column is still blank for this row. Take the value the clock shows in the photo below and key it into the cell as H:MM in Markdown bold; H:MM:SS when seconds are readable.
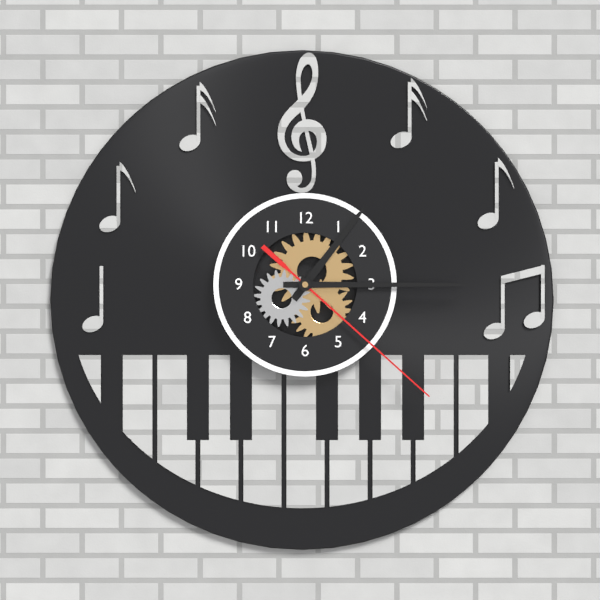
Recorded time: **1:15:22**
